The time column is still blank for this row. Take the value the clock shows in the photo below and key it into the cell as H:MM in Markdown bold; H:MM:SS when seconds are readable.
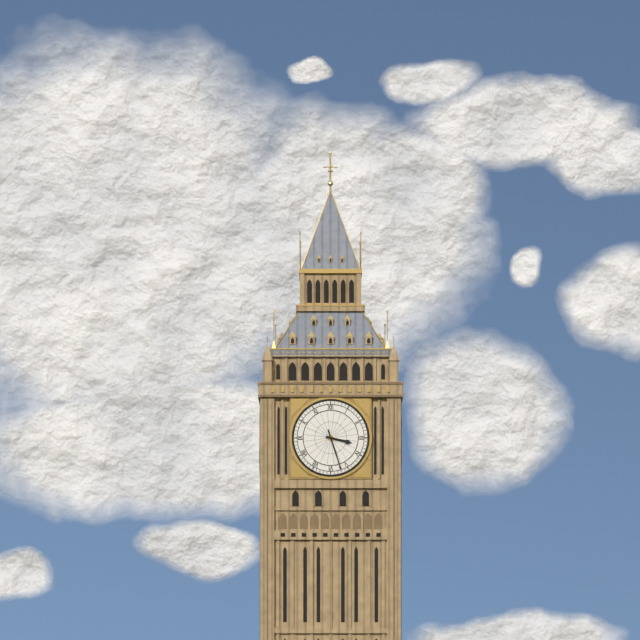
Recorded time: **3:27**
